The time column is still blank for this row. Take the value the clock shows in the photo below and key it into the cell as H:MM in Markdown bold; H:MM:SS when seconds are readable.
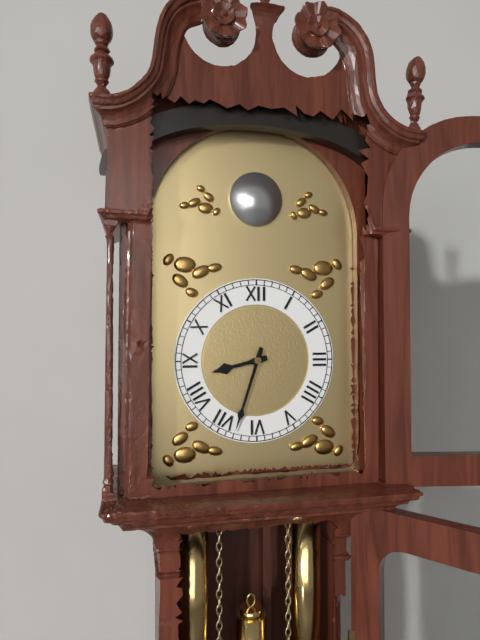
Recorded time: **8:33**
